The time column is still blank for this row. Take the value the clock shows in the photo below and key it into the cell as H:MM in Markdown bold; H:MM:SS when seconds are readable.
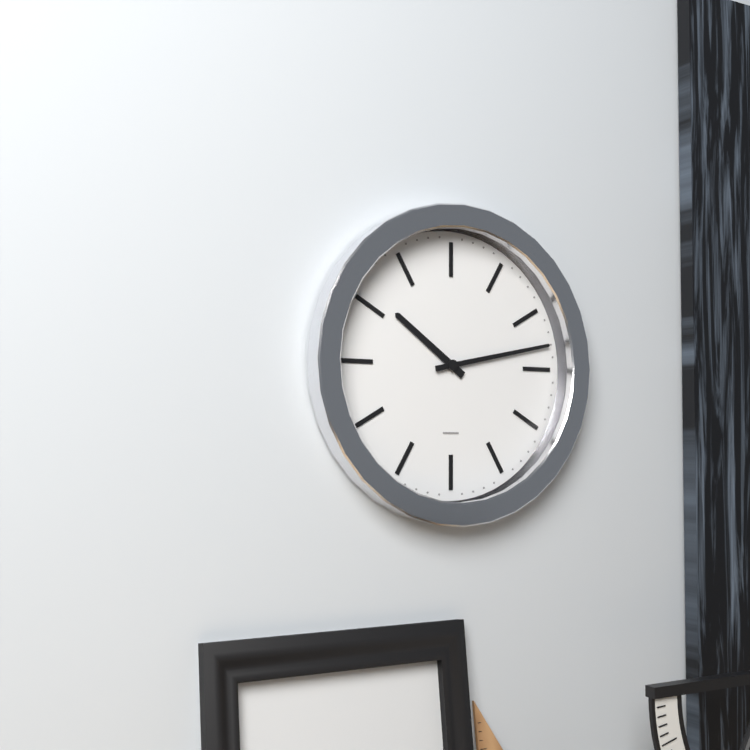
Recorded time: **10:13**
